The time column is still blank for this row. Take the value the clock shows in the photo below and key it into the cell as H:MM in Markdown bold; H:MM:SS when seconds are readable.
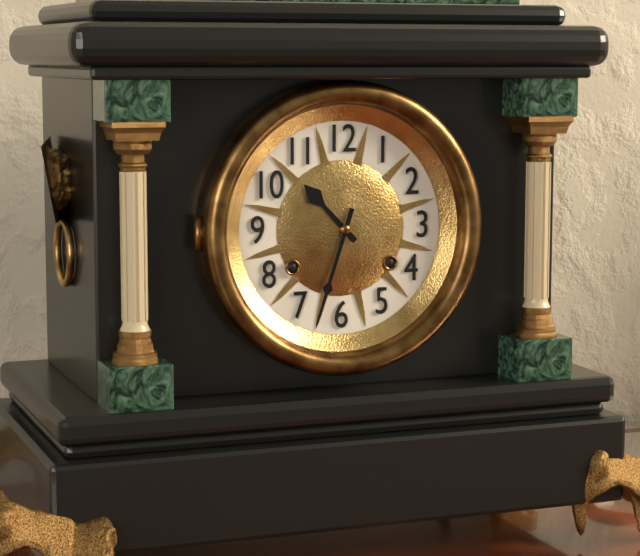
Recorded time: **10:33**
